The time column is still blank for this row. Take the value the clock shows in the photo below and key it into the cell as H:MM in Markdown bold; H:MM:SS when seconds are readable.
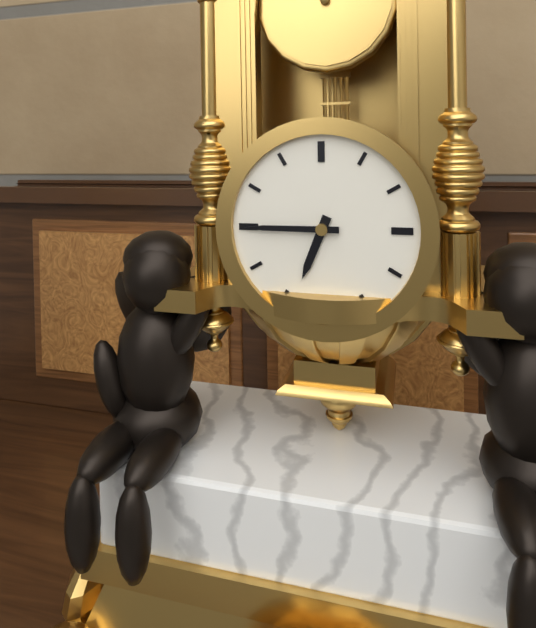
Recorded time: **6:45**
